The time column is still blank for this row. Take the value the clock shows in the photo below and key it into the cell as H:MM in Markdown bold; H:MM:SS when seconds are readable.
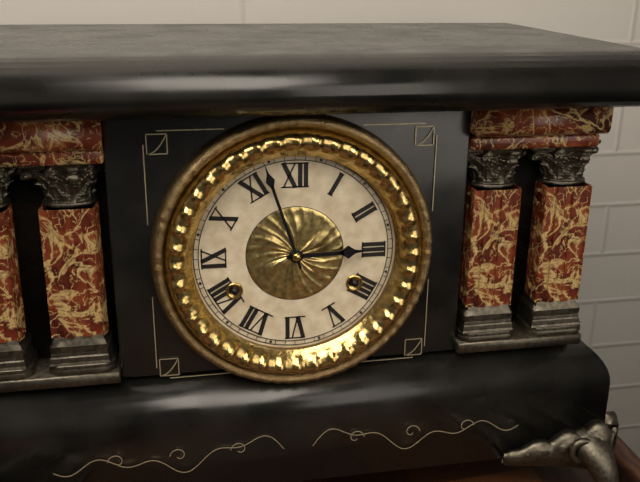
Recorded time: **2:57**
